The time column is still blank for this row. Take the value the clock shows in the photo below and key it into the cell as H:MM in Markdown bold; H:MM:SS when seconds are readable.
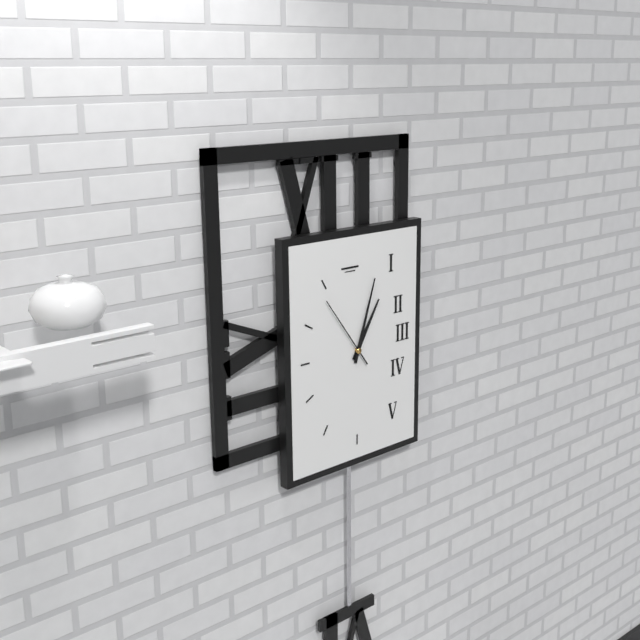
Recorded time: **1:03:54**
